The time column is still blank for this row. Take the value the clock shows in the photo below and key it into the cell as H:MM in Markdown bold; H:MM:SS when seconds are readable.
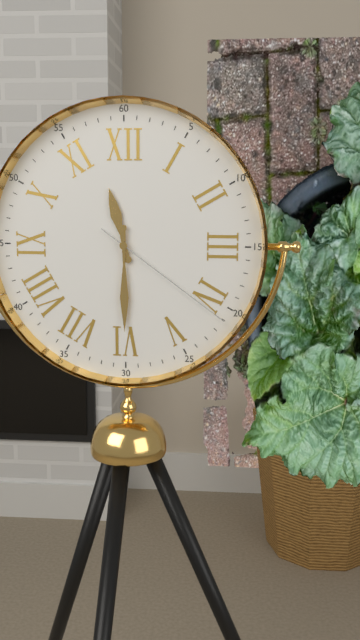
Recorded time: **11:30:21**
